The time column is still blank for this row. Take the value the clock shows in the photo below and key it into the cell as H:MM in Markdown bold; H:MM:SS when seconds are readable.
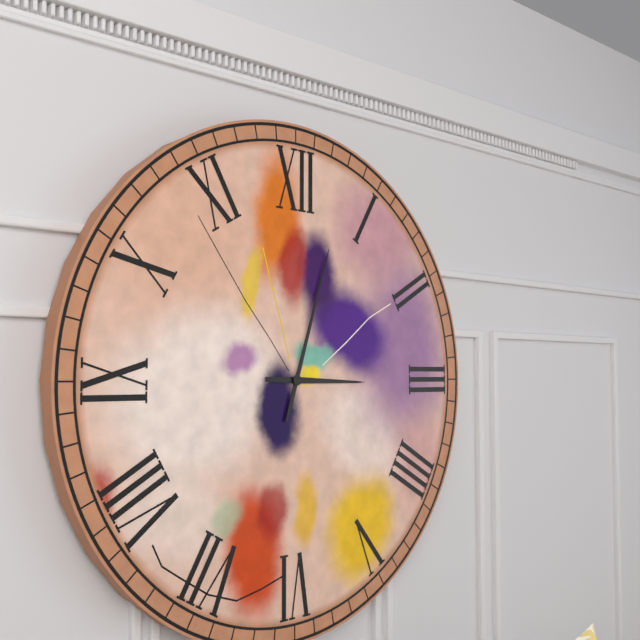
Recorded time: **3:03**
